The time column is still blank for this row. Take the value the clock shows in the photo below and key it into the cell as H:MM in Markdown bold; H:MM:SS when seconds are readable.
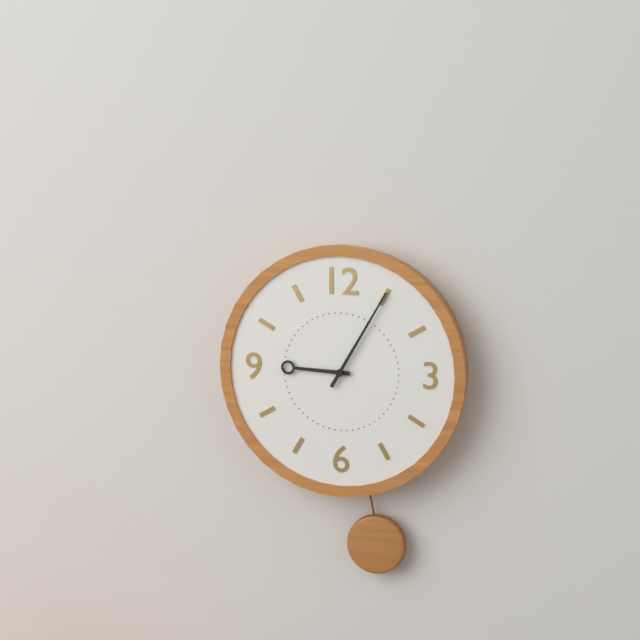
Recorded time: **9:05**
